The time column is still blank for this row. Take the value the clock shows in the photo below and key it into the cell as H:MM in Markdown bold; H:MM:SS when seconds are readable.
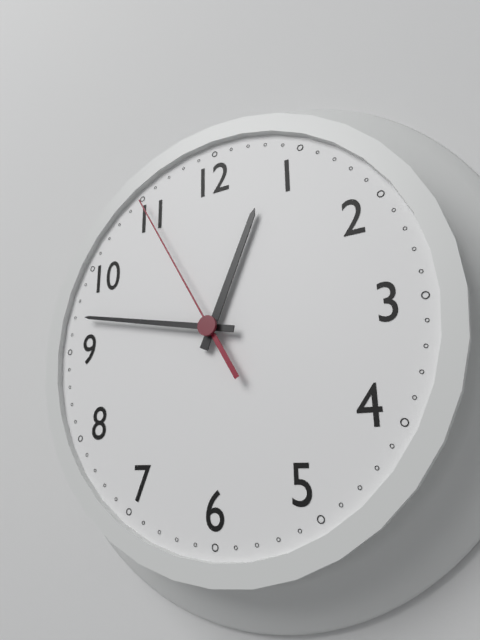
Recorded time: **12:47:55**
